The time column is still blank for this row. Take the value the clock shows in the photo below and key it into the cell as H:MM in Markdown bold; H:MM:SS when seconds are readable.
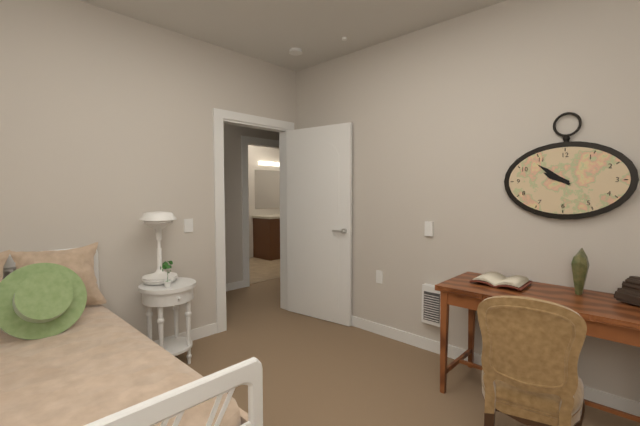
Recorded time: **9:51**
